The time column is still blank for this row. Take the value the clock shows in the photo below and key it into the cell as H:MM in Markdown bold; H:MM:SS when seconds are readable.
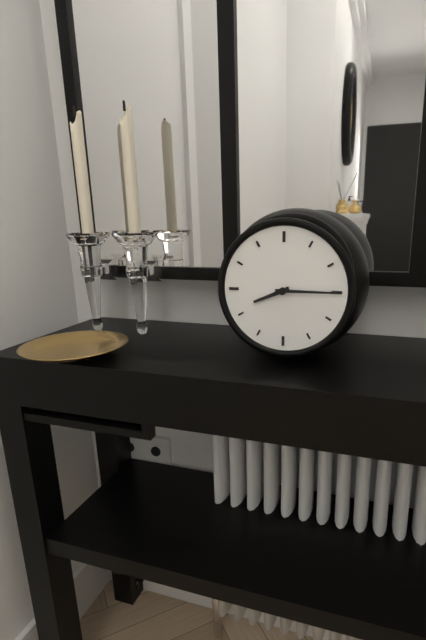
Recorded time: **8:15**
